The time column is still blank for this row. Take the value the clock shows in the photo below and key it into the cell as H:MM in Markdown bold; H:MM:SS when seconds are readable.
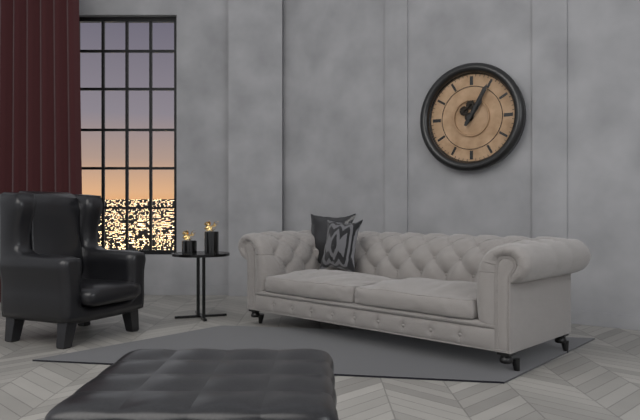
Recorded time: **1:05**
